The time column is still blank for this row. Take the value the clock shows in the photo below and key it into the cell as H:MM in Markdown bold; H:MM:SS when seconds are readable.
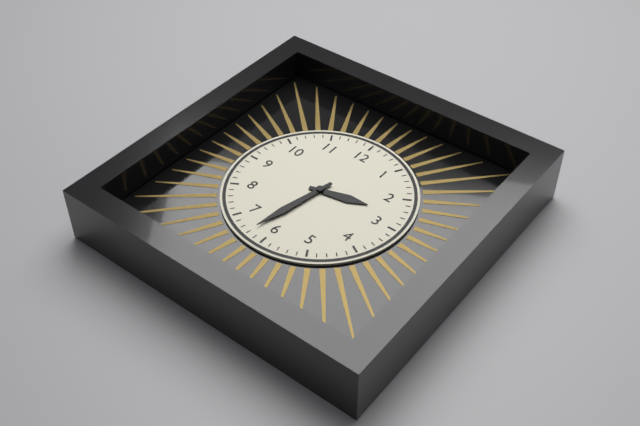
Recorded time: **2:32**
